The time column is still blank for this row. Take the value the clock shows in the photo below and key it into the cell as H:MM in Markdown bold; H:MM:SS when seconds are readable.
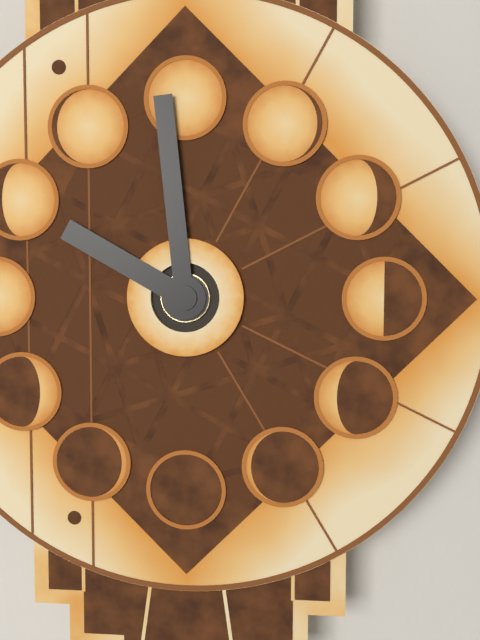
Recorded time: **9:59**
